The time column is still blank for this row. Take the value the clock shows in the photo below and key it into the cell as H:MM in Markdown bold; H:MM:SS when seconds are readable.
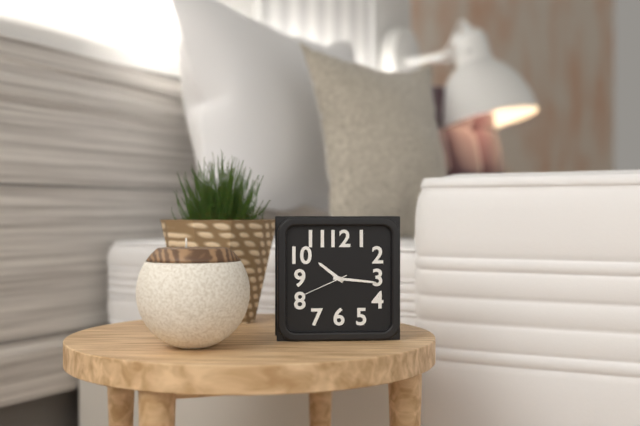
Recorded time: **10:16:41**
